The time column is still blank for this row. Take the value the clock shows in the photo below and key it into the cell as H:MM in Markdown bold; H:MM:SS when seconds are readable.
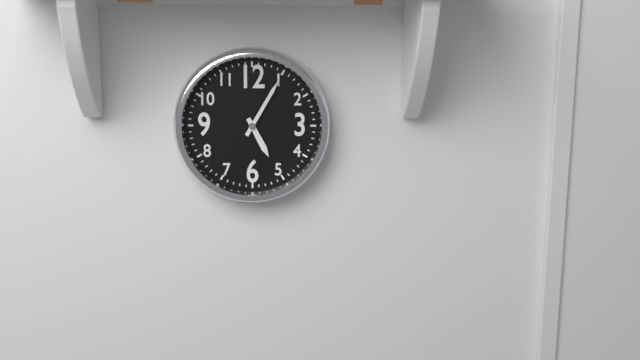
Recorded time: **5:05**
